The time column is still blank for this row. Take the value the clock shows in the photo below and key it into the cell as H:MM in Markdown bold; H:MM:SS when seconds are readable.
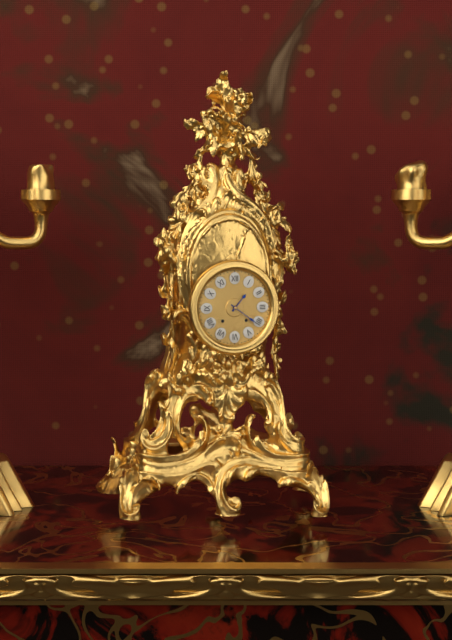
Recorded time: **1:21**
